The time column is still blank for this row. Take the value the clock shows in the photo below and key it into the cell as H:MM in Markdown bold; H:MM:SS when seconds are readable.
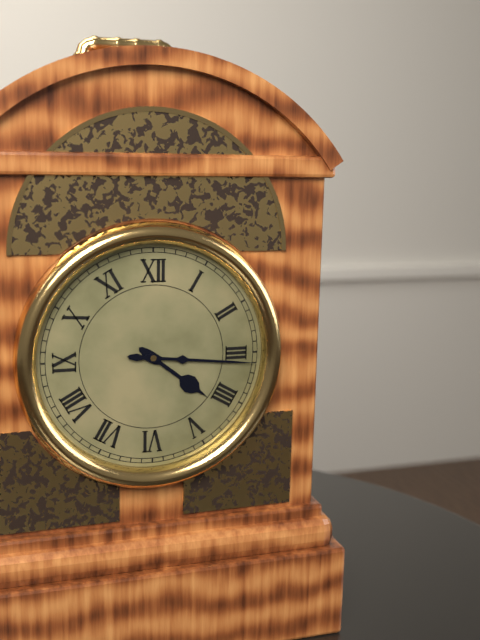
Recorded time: **4:16**
